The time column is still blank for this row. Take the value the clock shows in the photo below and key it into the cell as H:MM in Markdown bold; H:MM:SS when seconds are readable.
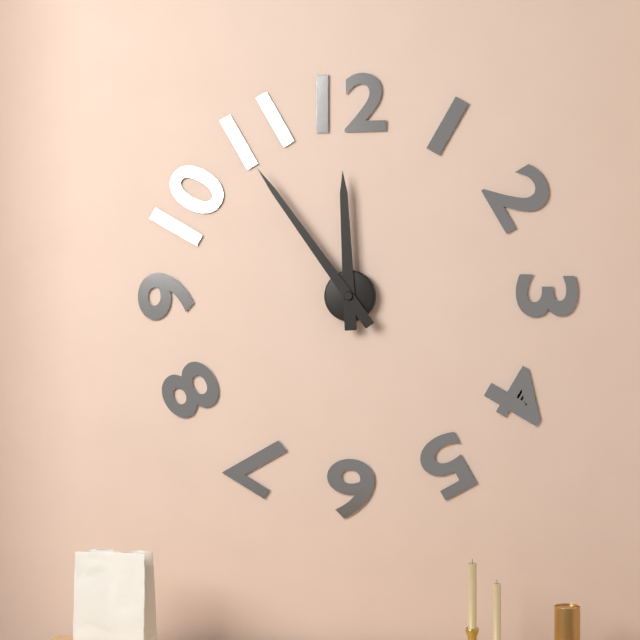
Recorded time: **11:54**
